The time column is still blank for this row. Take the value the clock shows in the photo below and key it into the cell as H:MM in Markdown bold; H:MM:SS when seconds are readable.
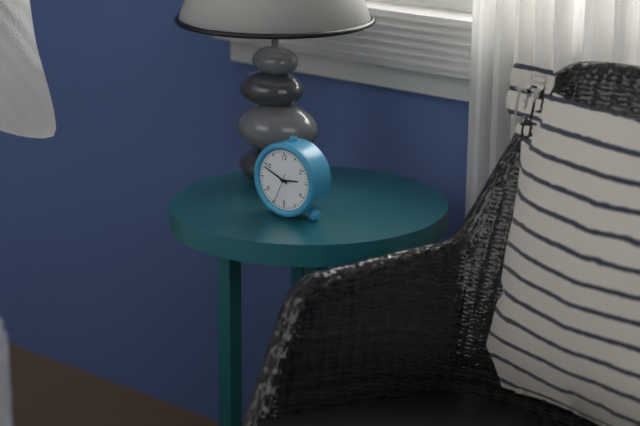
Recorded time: **2:49**
